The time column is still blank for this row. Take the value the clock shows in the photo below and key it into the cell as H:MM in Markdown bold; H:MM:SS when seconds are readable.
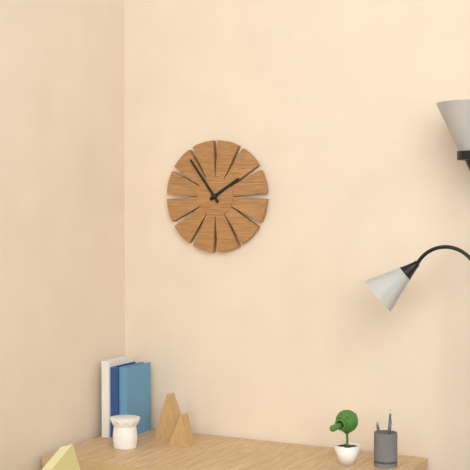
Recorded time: **1:54**
